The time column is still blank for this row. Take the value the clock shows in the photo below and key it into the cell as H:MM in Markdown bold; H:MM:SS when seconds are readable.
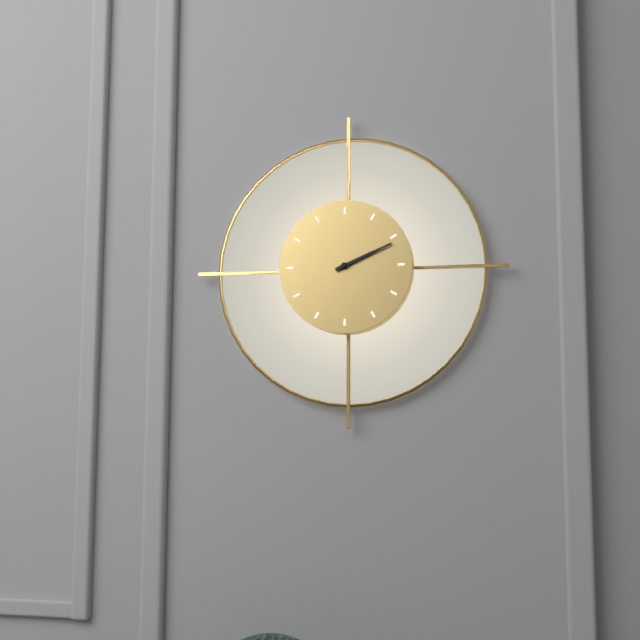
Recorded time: **2:11**
